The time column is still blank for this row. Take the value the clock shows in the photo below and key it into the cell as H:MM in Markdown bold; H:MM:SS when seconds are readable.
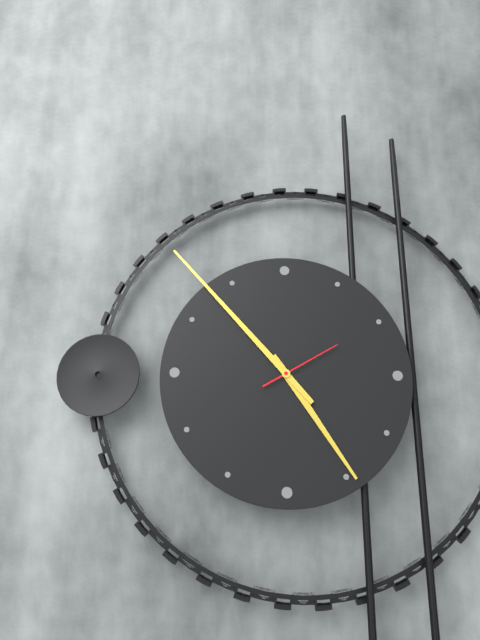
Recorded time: **4:53:10**
